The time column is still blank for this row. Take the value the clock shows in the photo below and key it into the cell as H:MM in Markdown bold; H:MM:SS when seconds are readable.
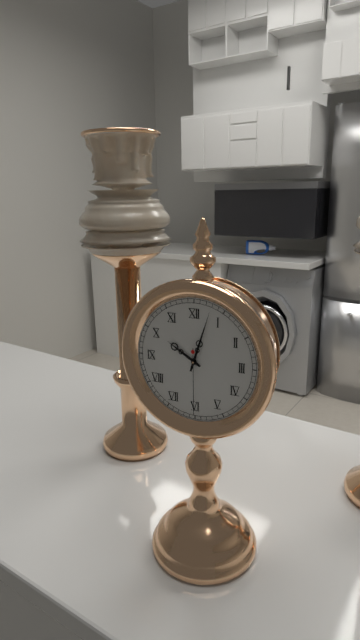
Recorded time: **10:03:30**
